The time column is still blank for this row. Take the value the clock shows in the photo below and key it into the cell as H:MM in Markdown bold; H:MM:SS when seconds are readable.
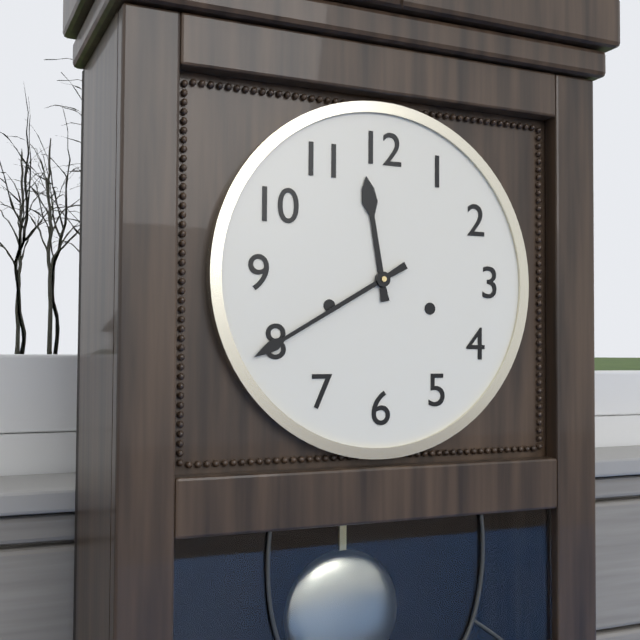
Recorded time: **11:40**
